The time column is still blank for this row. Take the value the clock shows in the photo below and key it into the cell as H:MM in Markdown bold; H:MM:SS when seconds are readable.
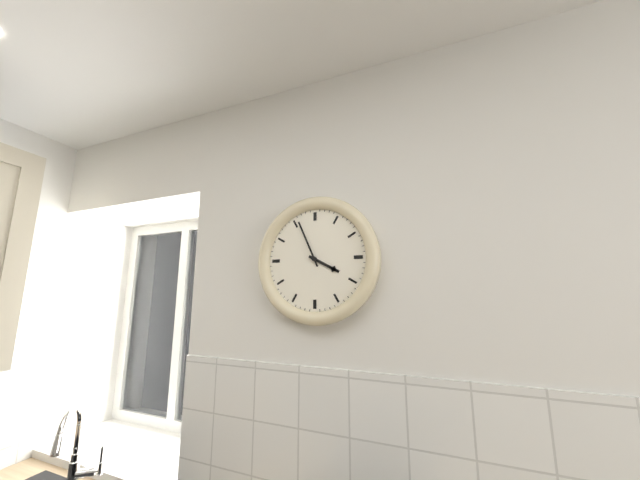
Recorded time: **3:56**
